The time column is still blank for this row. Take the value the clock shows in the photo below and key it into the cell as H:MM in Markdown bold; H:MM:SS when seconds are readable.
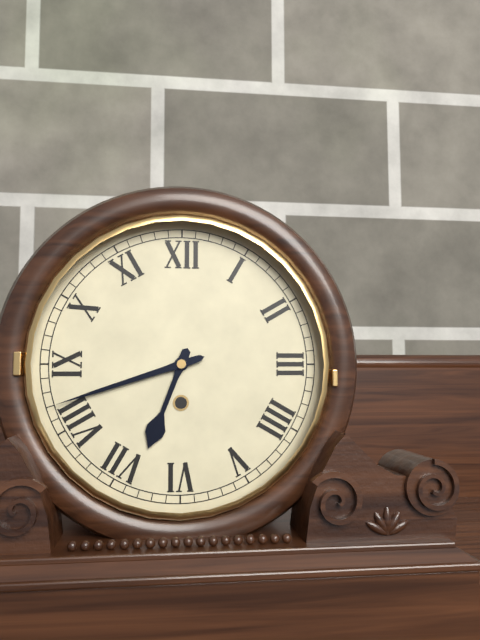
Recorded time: **6:42**
